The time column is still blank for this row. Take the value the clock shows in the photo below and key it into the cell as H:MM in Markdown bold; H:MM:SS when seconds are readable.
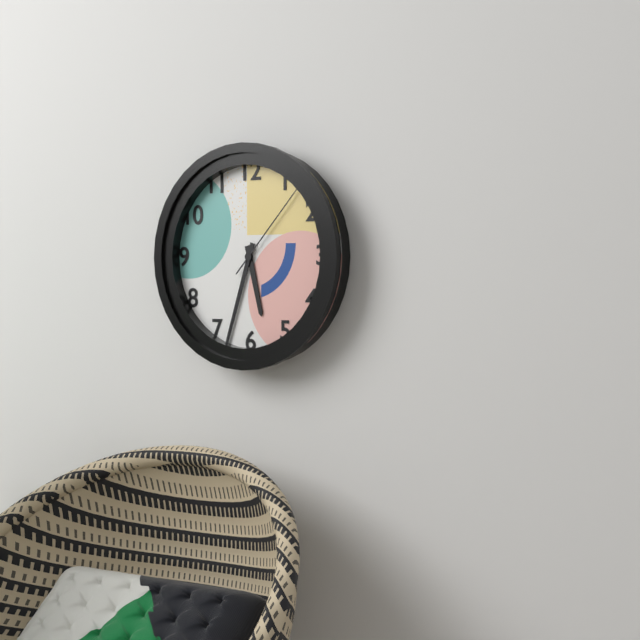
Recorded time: **5:33:07**
